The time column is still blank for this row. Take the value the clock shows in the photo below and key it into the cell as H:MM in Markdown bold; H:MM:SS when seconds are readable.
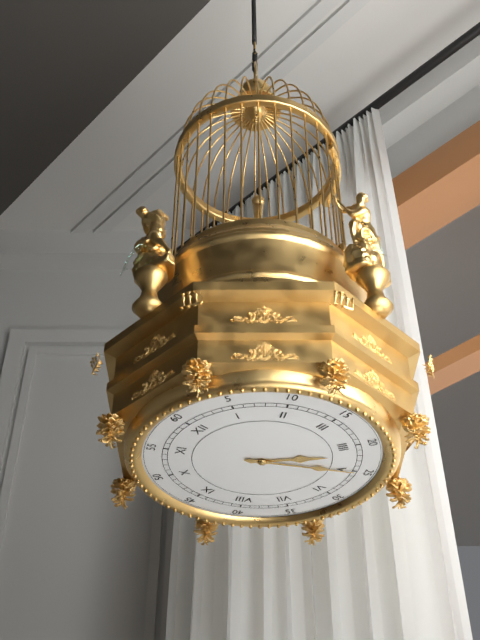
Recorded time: **4:25**
